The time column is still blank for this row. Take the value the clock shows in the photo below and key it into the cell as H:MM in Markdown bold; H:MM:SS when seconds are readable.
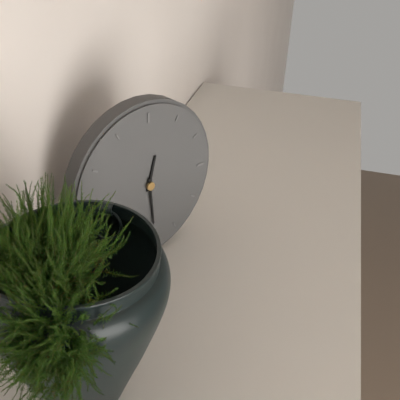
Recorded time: **12:29**
